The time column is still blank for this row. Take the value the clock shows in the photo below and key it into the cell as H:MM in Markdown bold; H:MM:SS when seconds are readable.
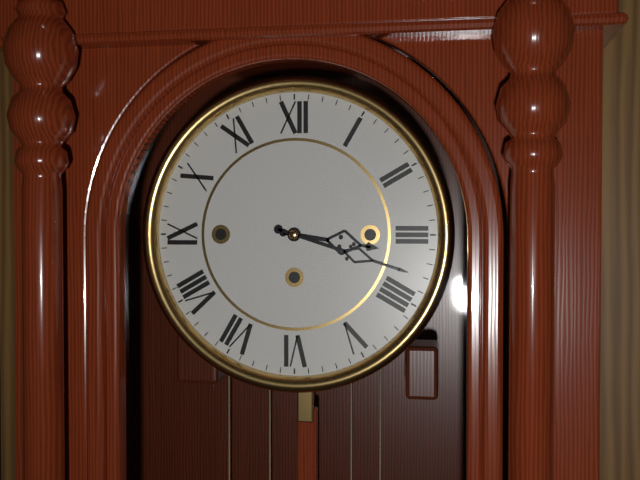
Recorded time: **3:18**
